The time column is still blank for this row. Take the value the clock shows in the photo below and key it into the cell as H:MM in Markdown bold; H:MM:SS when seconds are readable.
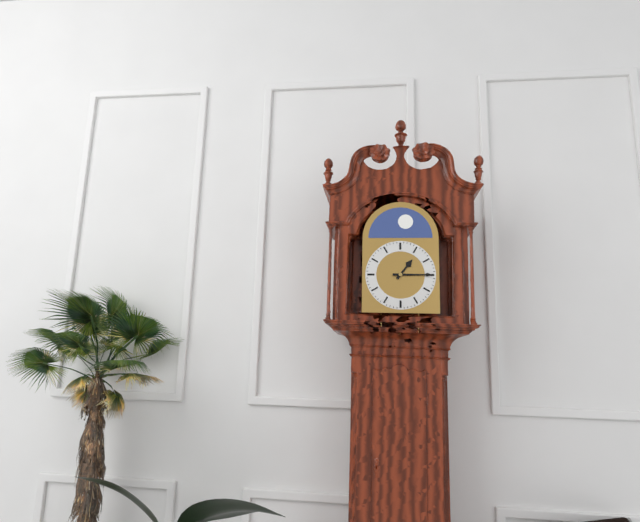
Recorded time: **1:15**
